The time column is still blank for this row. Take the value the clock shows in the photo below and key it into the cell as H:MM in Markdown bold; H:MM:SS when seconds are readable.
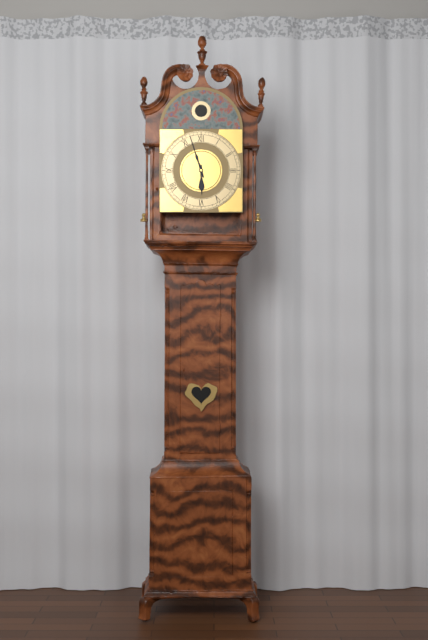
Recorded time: **5:57**
